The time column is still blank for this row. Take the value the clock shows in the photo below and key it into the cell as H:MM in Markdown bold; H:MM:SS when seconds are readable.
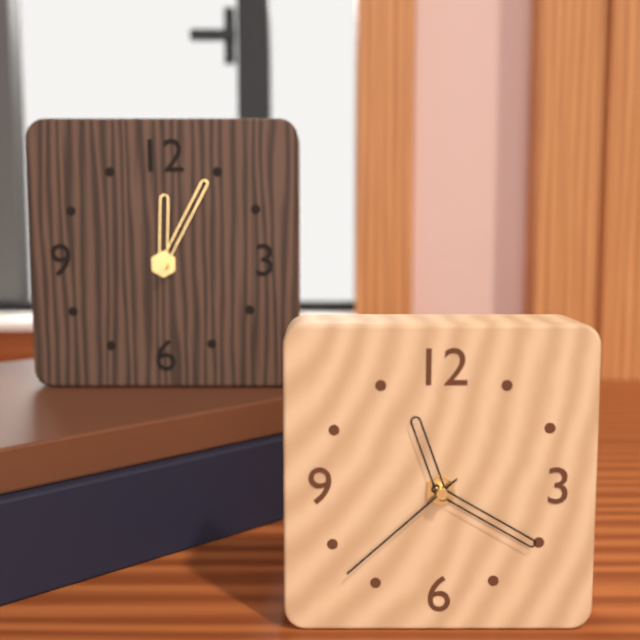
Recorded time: **11:20:38**
